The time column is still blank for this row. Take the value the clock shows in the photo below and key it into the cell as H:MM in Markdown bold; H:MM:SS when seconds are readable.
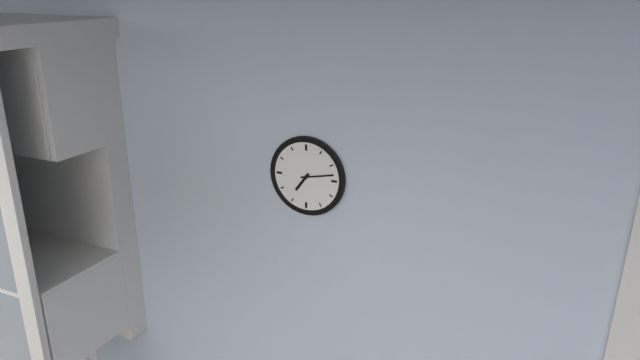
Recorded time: **7:13**
